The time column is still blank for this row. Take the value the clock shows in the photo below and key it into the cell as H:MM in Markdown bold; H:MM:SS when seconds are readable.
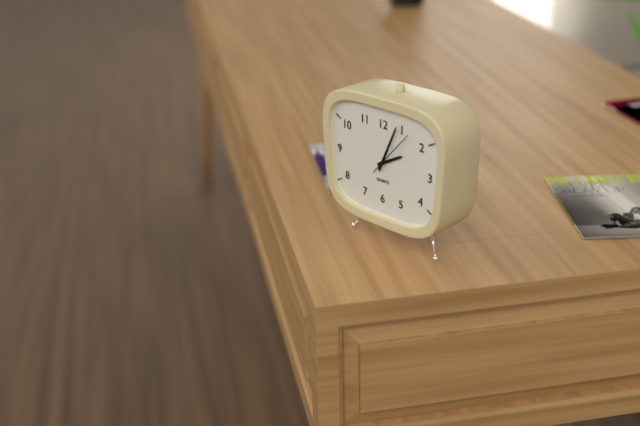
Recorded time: **2:04**
